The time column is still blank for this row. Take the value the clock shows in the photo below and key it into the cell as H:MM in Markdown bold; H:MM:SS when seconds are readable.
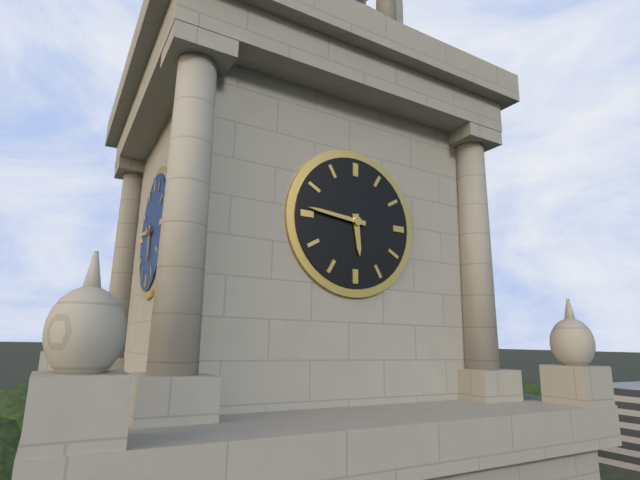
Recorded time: **5:46**
